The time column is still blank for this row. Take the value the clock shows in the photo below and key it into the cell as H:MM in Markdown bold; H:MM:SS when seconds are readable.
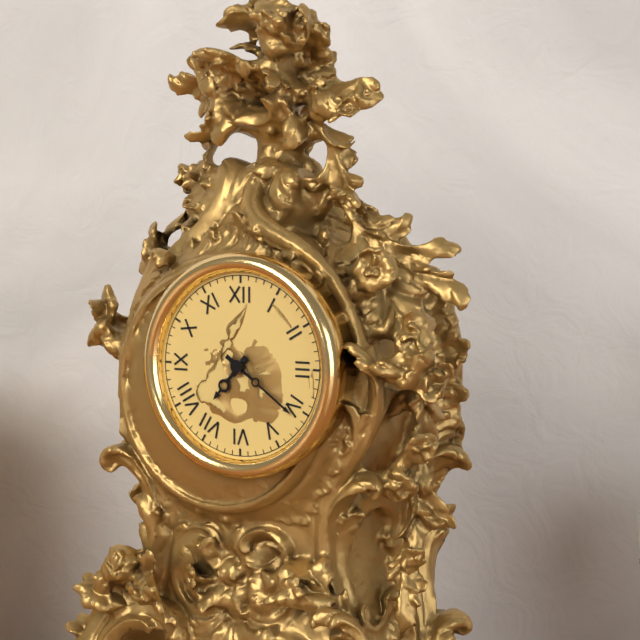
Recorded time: **7:21**
